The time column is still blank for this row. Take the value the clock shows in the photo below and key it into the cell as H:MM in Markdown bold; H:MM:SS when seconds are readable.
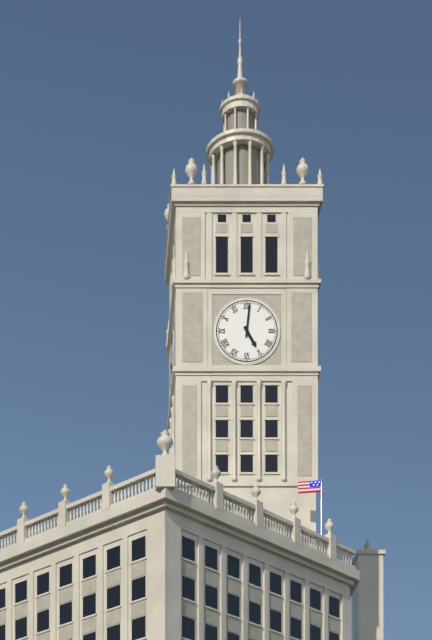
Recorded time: **5:01**
